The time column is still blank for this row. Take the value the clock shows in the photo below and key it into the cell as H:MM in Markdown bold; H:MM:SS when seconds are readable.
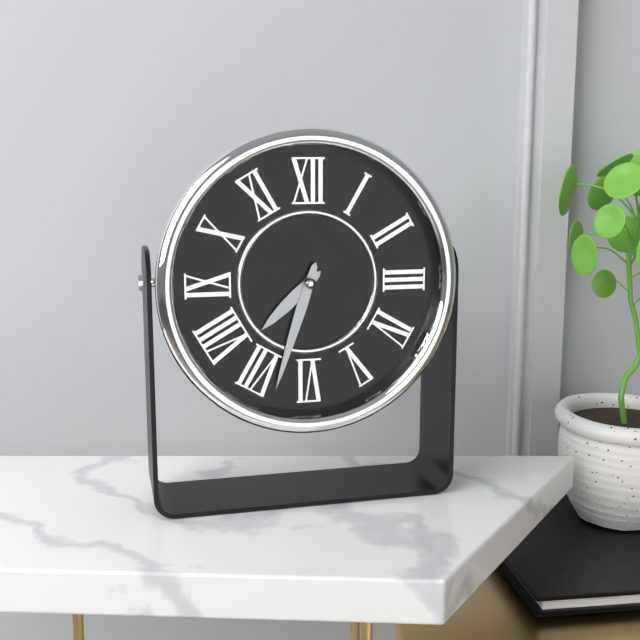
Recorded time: **7:33**
